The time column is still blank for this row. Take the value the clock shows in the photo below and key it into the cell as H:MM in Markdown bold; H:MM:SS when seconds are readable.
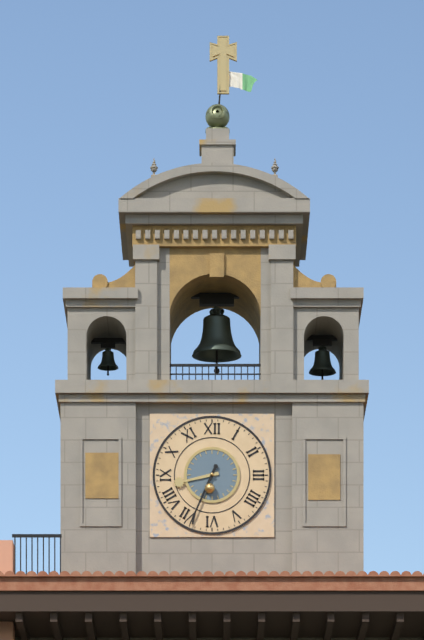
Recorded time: **8:34**
